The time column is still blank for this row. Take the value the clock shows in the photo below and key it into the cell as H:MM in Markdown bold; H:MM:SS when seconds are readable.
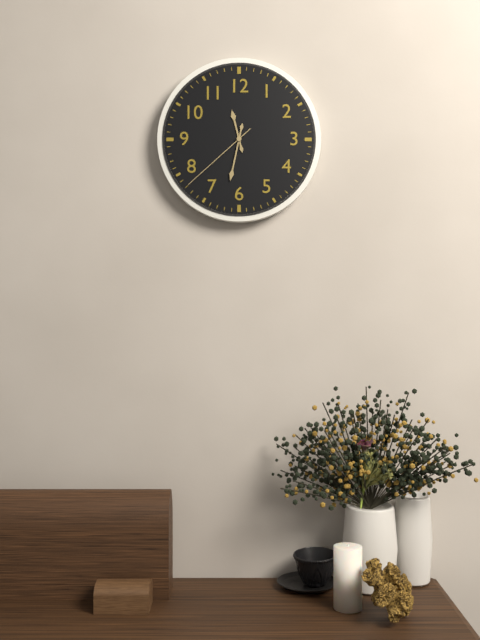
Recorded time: **11:32:38**
